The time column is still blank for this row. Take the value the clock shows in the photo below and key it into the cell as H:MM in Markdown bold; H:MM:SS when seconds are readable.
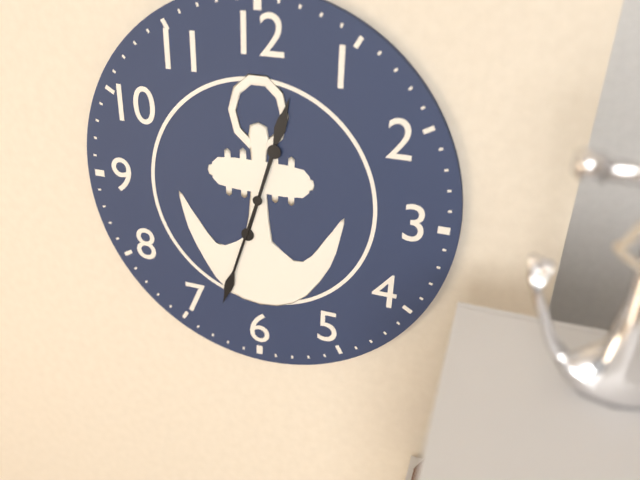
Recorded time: **12:33**
